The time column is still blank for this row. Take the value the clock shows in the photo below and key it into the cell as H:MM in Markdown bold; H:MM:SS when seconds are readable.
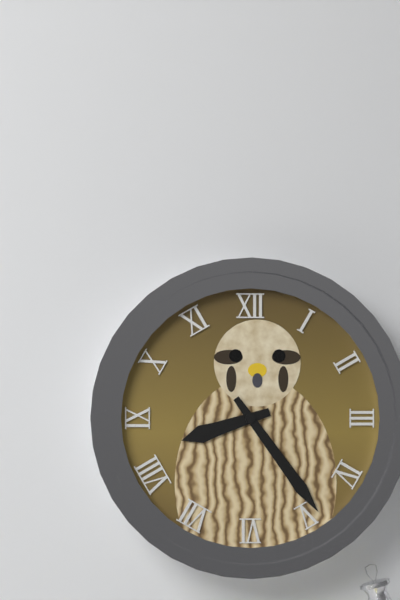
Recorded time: **8:24**
